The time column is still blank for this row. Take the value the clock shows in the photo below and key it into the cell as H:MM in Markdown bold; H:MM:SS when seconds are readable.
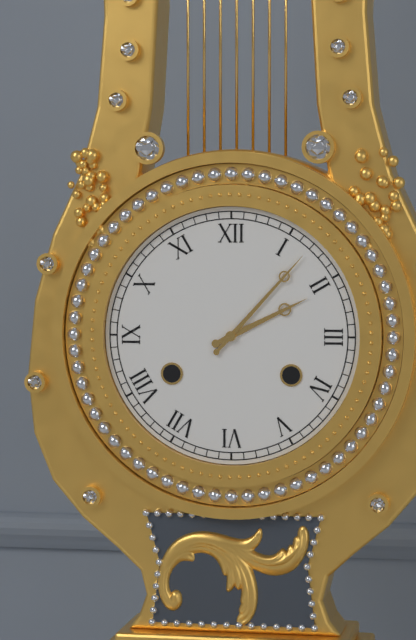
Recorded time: **2:07**
